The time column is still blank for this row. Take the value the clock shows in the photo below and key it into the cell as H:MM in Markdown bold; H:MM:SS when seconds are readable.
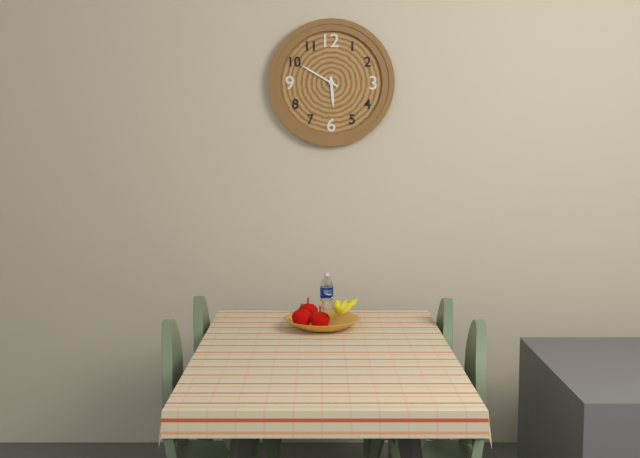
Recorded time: **5:50**
